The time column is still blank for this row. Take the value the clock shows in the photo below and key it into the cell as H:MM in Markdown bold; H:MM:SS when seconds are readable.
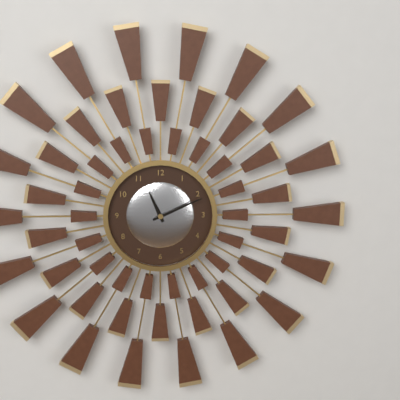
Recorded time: **11:11**
